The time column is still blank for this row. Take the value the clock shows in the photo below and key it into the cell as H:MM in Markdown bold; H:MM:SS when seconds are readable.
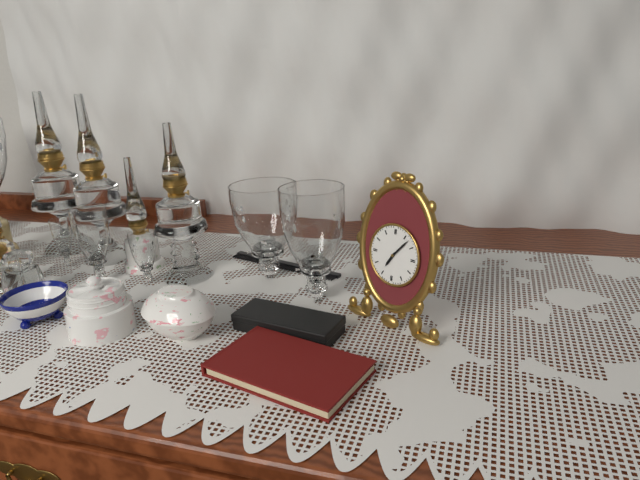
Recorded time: **7:07**
